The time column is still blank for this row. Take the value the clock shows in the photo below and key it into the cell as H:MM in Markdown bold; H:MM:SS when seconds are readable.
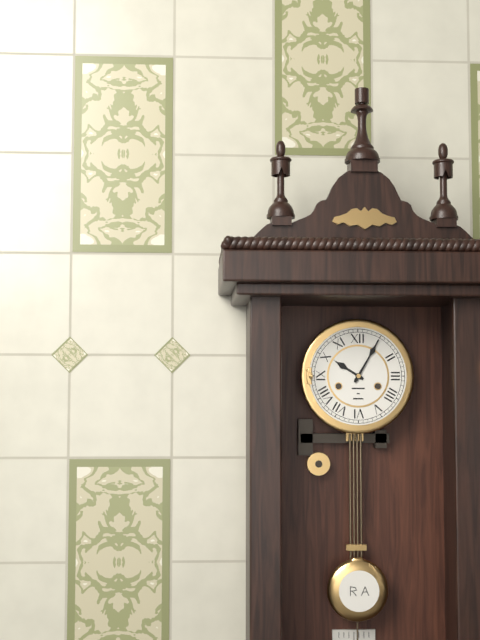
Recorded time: **10:05**
